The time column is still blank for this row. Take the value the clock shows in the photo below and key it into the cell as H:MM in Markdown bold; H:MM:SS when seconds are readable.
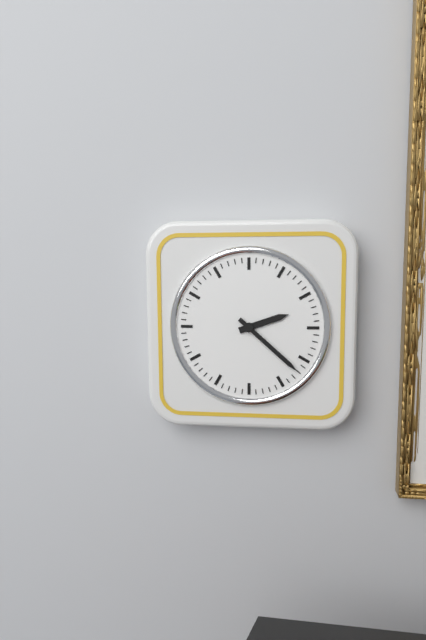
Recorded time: **2:22**
